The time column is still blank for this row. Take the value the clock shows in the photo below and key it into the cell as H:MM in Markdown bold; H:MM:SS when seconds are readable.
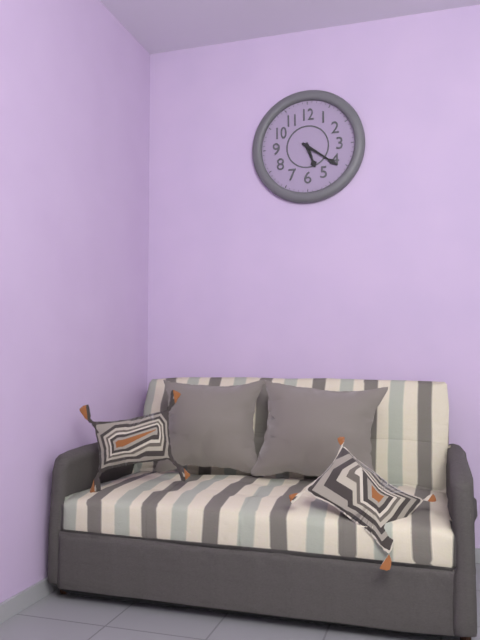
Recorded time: **5:21**
